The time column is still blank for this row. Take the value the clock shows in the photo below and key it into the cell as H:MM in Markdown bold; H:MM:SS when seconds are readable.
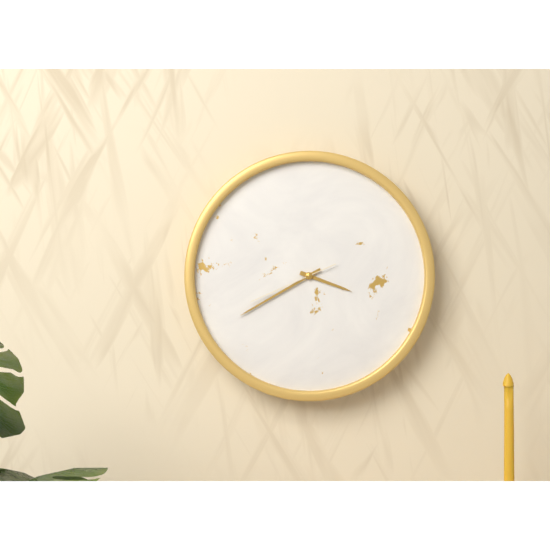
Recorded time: **3:40:41**
